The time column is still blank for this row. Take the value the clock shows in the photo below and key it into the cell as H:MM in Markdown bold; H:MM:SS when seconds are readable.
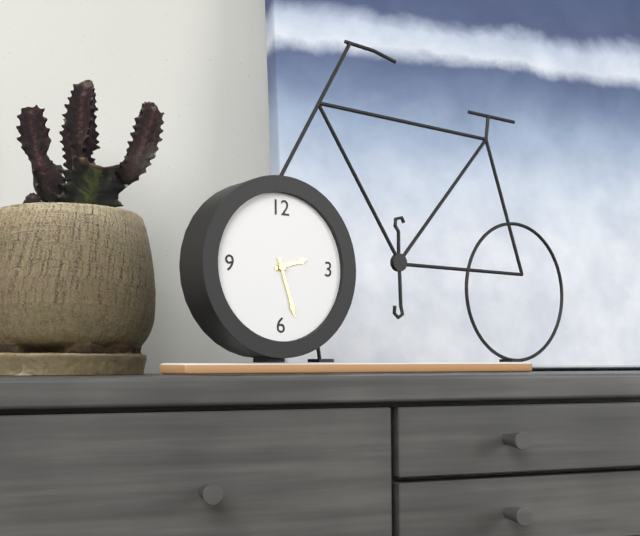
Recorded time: **2:27**
